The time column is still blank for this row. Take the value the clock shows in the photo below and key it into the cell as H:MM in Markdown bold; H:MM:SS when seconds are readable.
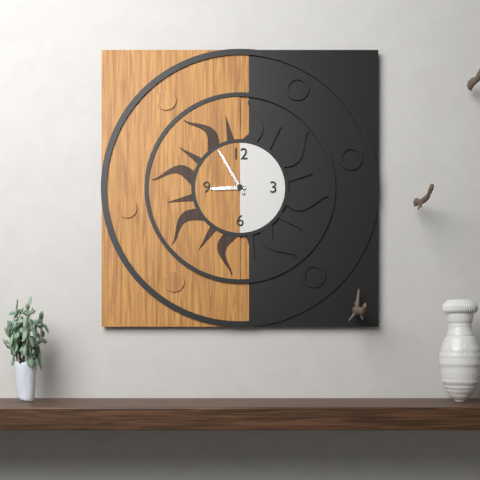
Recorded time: **8:55**
